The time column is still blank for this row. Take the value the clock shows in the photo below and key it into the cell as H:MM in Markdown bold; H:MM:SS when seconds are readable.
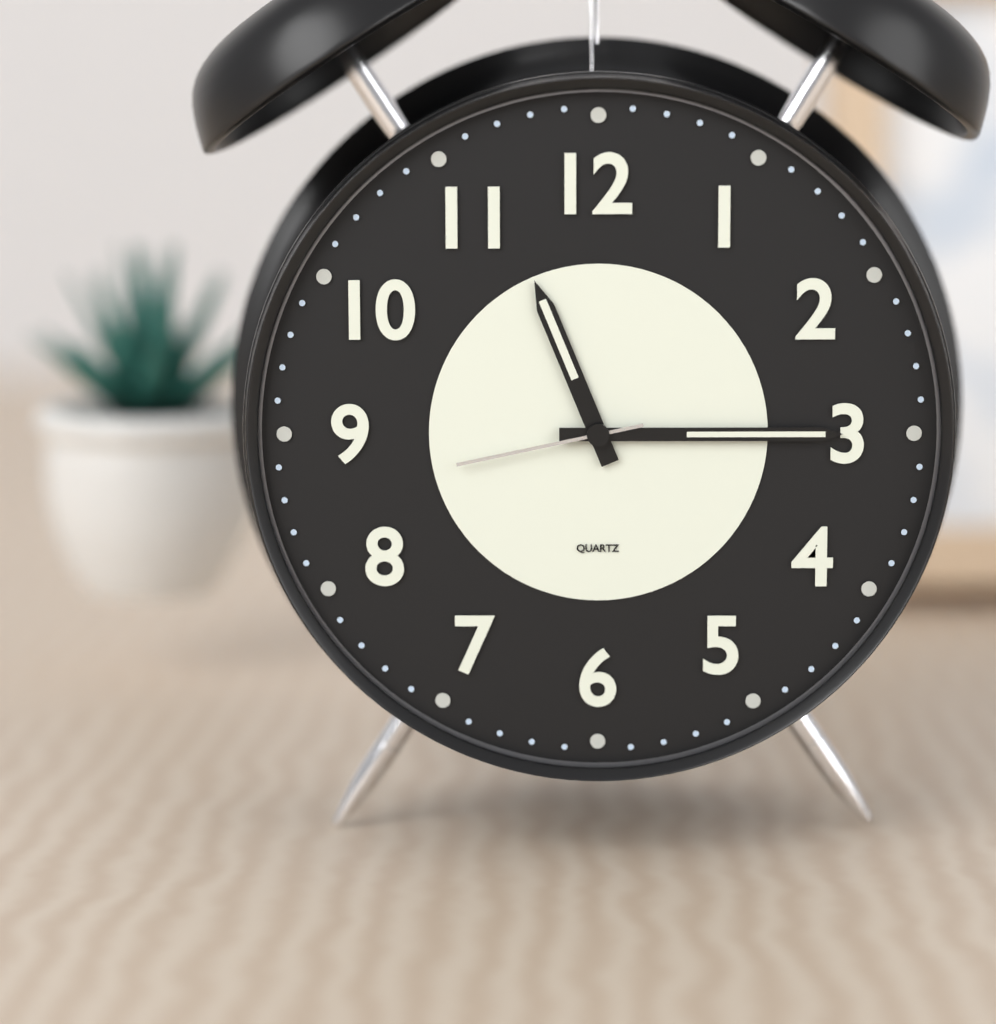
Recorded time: **11:15:43**
